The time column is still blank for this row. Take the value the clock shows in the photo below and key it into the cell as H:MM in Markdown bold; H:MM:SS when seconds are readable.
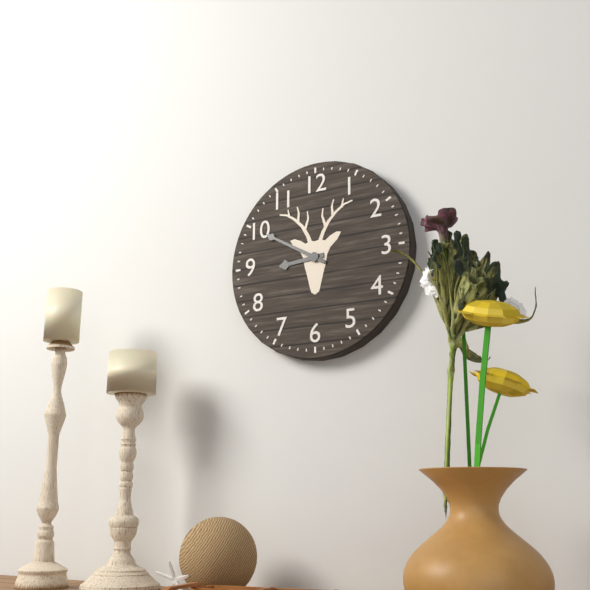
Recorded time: **8:50**
